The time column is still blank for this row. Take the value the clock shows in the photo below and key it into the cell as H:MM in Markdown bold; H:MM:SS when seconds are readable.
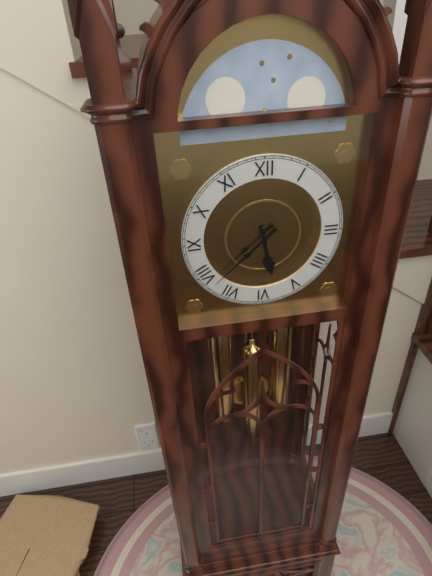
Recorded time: **5:38**
